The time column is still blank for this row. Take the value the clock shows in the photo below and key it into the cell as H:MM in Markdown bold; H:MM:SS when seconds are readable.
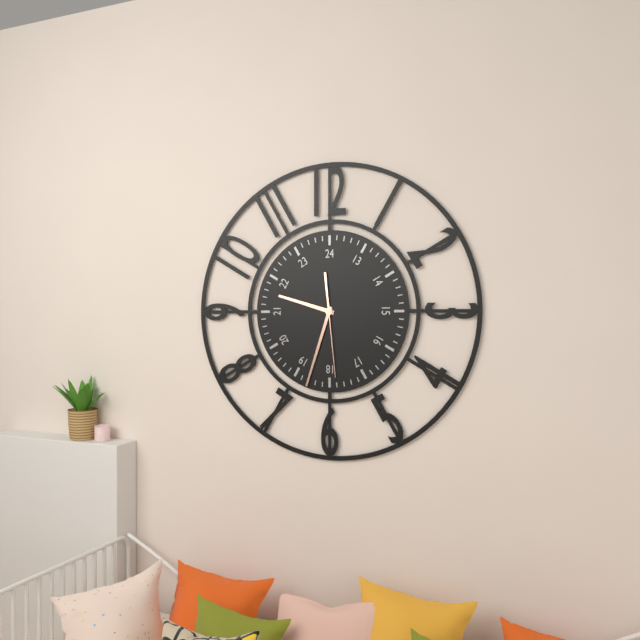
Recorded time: **9:33:29**
